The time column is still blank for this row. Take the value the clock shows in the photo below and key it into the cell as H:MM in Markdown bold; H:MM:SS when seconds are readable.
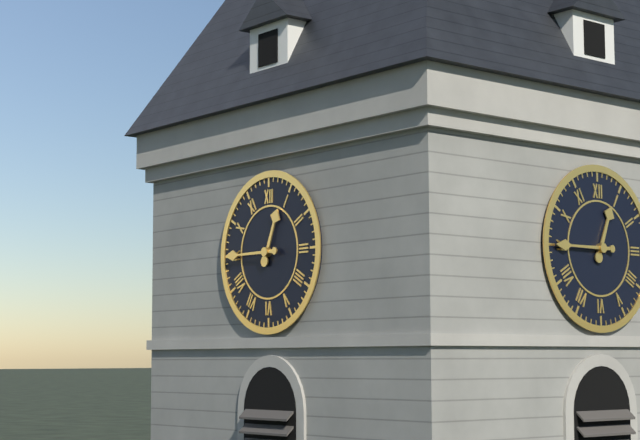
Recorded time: **12:45**
